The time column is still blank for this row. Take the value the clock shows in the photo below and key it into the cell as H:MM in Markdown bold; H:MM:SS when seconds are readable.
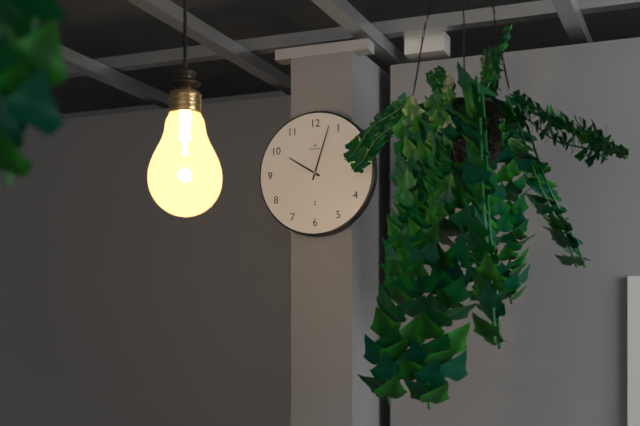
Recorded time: **10:03**
